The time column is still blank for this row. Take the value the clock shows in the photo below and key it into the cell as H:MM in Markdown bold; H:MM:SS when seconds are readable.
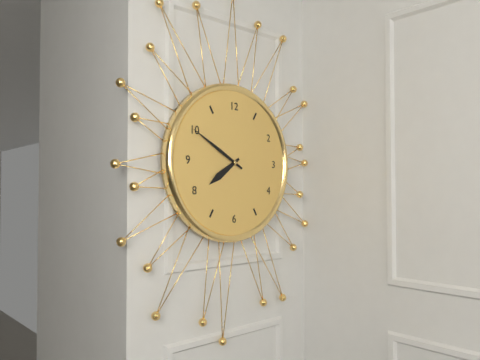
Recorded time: **7:50**
